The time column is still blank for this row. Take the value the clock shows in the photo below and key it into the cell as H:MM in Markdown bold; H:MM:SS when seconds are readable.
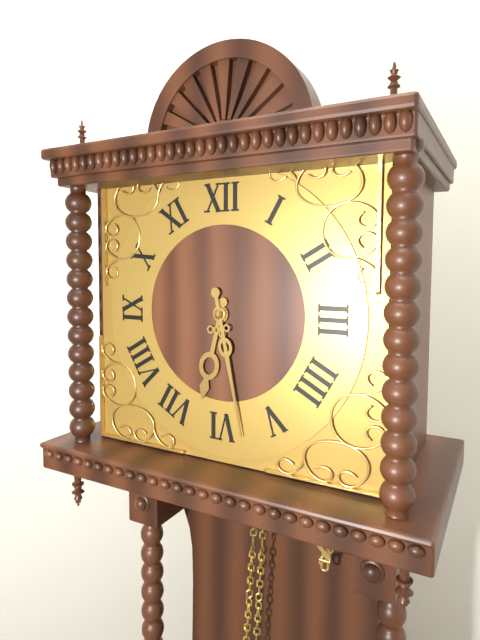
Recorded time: **6:28**
